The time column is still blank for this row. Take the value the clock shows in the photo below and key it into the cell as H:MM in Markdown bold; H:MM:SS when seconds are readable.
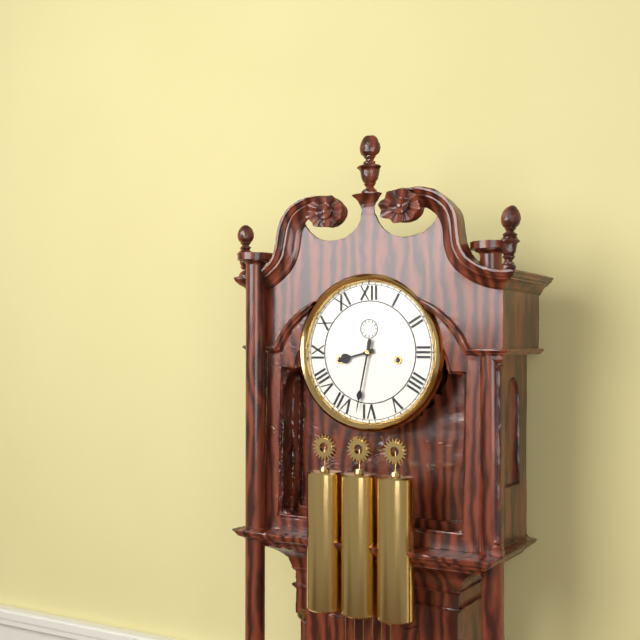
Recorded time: **8:32**
